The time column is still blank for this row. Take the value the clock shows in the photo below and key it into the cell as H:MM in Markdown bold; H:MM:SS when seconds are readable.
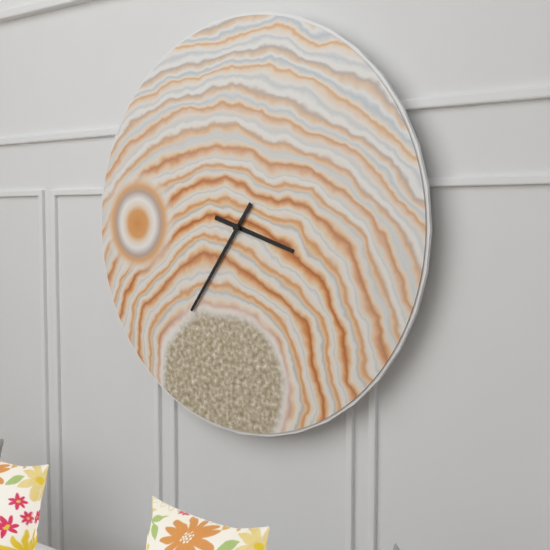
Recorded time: **3:36**
